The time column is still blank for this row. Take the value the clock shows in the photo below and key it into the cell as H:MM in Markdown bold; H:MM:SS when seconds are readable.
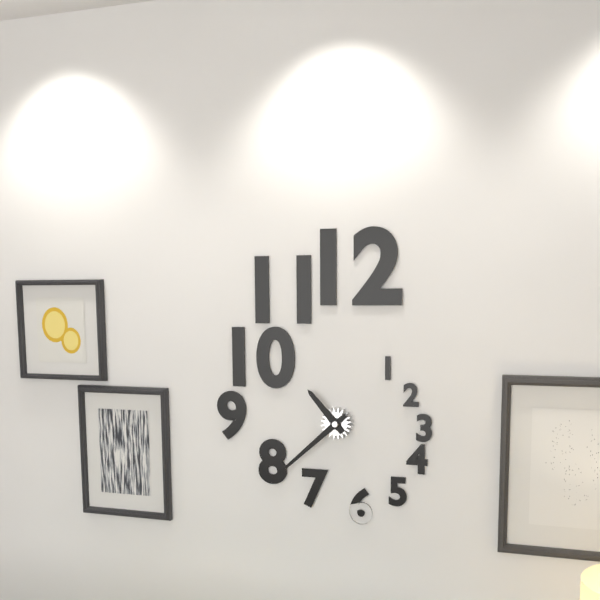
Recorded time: **10:38**
